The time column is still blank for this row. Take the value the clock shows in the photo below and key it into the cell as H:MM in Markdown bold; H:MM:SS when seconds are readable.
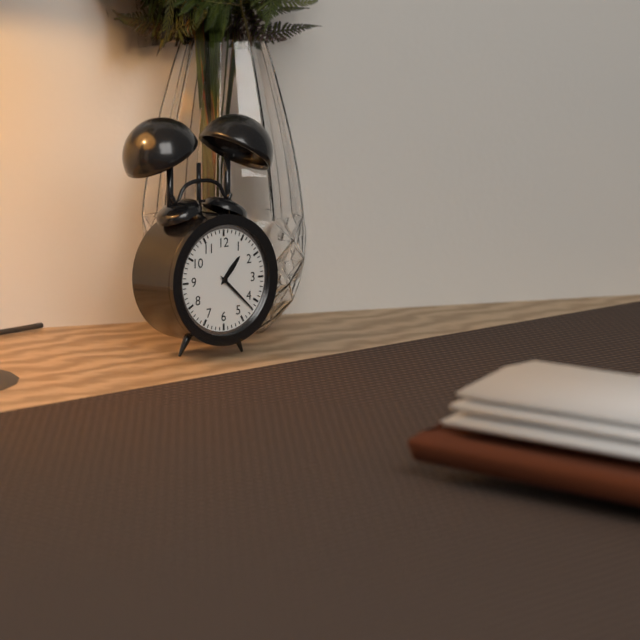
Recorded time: **1:22**
